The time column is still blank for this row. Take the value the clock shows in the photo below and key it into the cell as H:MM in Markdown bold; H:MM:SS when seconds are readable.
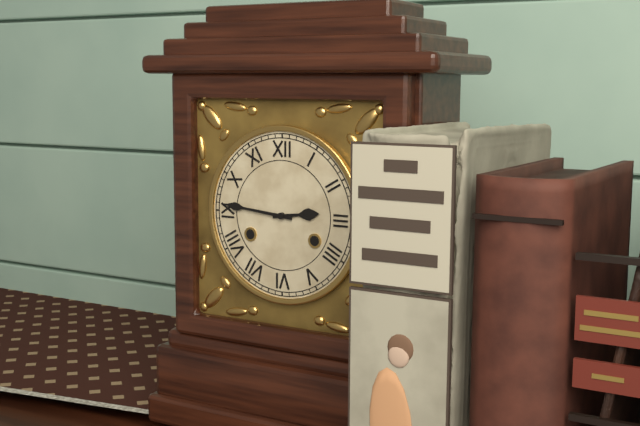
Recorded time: **2:46**
